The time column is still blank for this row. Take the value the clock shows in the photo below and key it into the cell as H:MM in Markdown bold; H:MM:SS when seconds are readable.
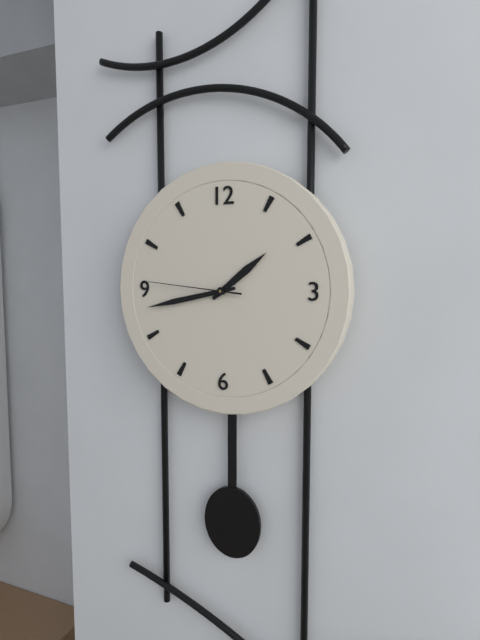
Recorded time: **1:43:46**
